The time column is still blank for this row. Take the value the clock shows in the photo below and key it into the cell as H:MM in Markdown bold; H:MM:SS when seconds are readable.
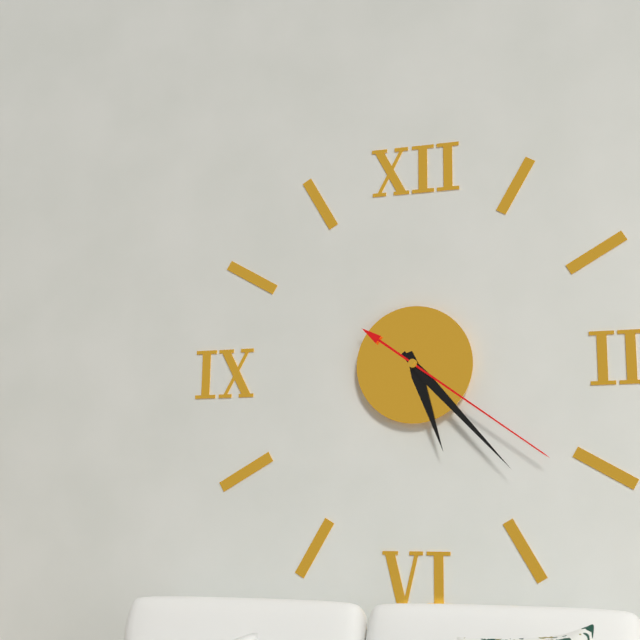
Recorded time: **5:23:21**
